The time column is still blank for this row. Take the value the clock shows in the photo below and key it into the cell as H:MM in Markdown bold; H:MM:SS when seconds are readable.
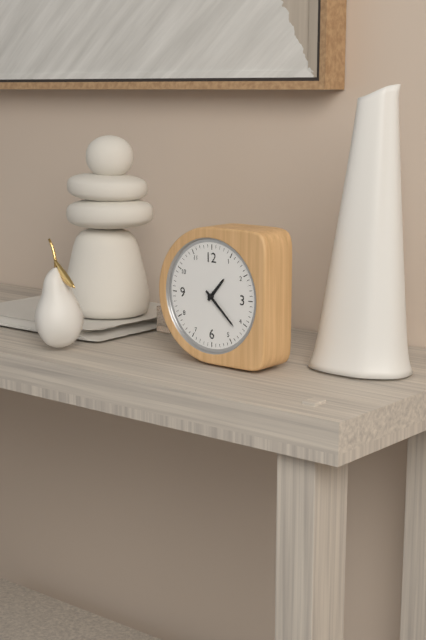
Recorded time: **1:22**
